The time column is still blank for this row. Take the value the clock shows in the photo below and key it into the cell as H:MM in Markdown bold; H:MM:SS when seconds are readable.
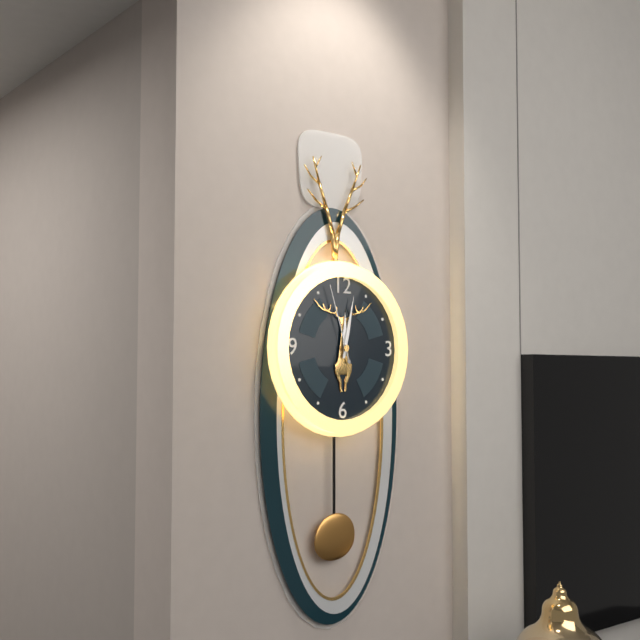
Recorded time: **12:02:57**
